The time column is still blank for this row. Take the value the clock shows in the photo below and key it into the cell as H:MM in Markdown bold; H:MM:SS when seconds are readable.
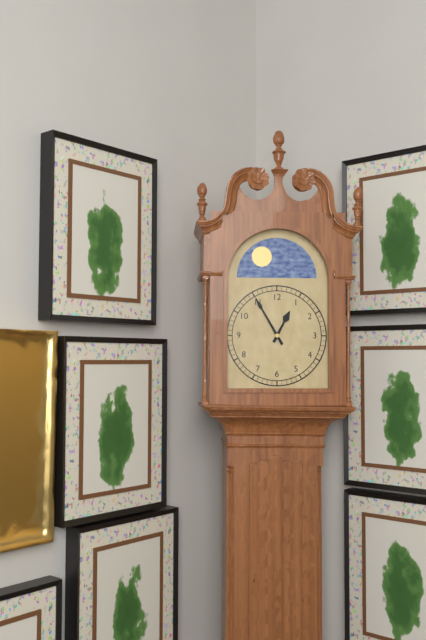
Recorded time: **12:55**
